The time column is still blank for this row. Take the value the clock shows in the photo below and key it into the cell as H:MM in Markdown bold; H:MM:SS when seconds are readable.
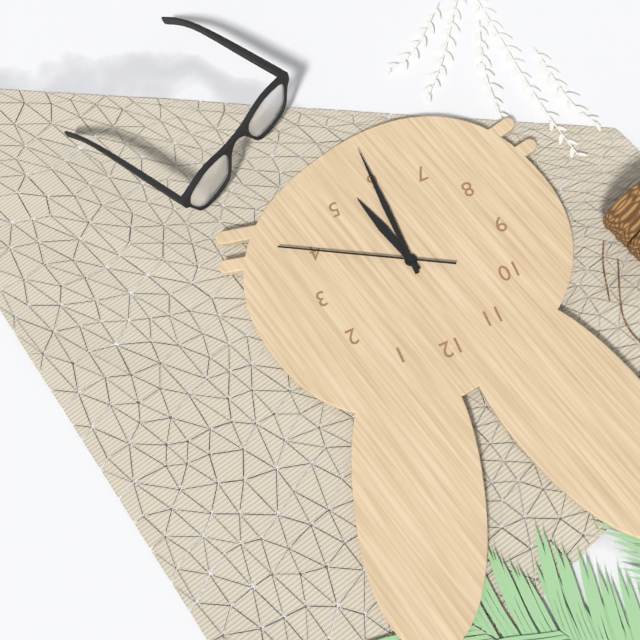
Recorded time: **5:30:20**
